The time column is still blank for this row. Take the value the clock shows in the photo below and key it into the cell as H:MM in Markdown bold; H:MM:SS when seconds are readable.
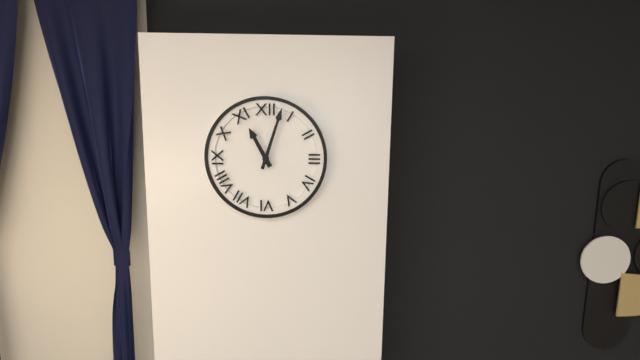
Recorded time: **11:03**
